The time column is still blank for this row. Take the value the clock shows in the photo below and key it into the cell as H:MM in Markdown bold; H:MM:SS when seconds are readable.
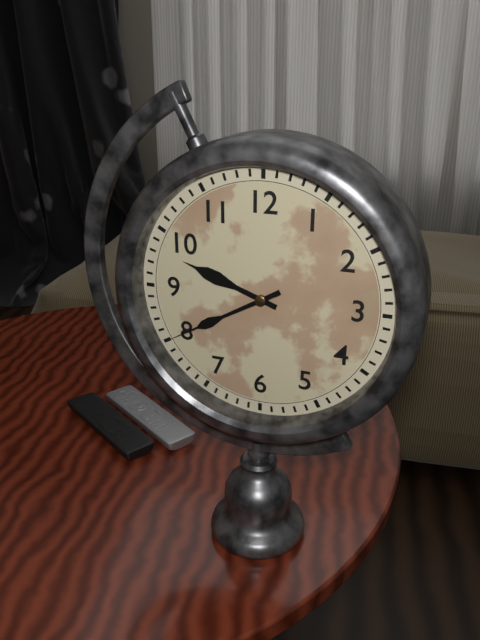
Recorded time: **9:40**
